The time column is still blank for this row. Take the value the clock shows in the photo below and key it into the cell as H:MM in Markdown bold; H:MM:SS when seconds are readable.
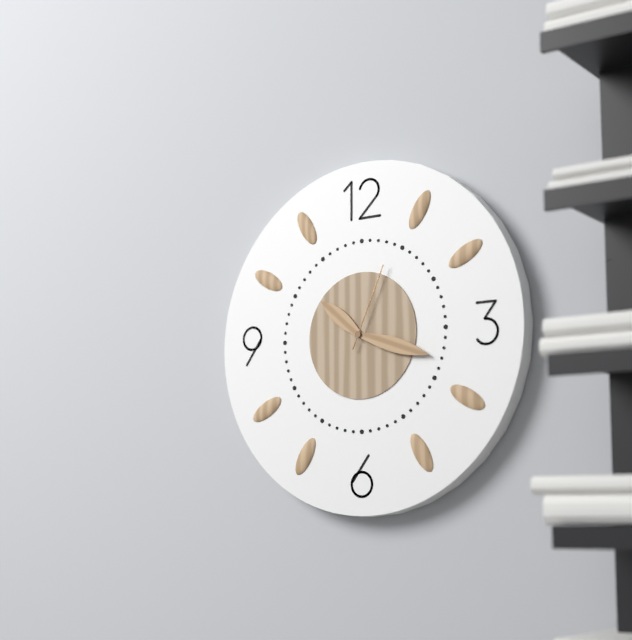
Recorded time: **10:18:04**
